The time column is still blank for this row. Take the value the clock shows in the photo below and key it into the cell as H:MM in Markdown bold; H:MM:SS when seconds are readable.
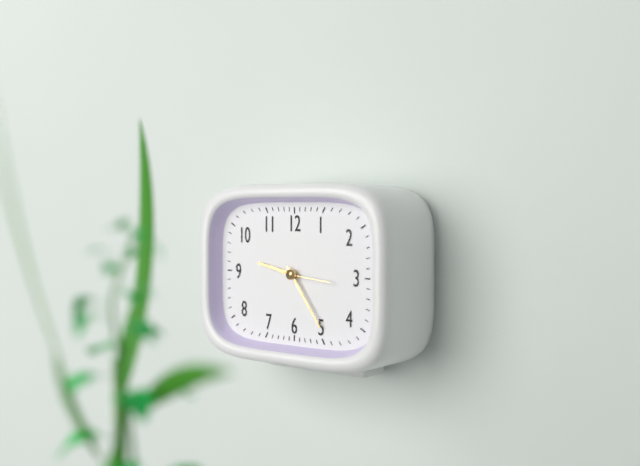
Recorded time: **9:24:16**
